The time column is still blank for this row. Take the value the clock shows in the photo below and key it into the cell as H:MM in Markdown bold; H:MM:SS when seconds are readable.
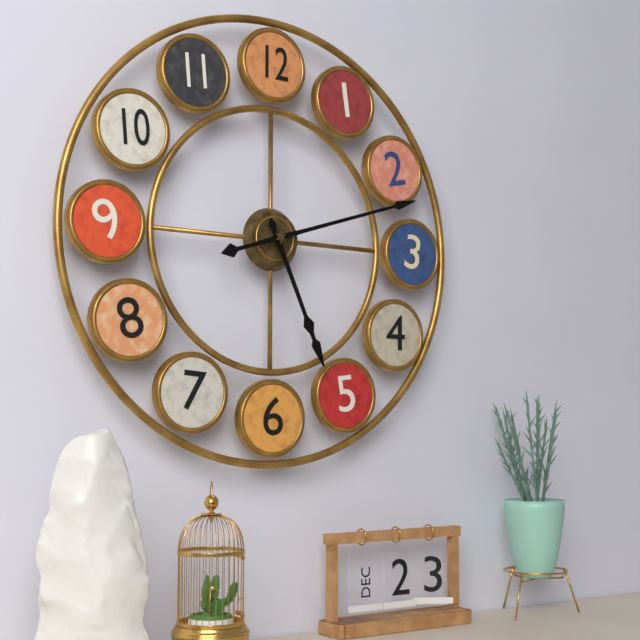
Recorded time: **5:12**
